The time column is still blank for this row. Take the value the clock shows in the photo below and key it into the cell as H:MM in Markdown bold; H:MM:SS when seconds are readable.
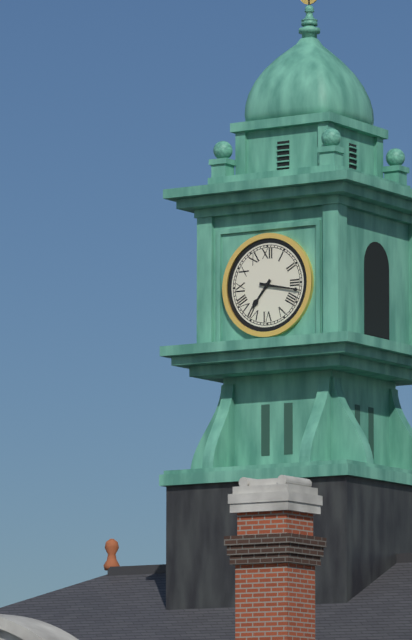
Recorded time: **7:17**
